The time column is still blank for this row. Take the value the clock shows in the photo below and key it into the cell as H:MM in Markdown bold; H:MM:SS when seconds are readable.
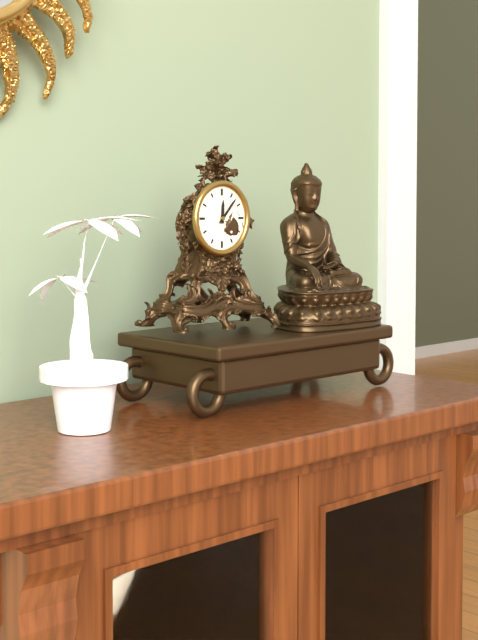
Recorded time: **12:07**
